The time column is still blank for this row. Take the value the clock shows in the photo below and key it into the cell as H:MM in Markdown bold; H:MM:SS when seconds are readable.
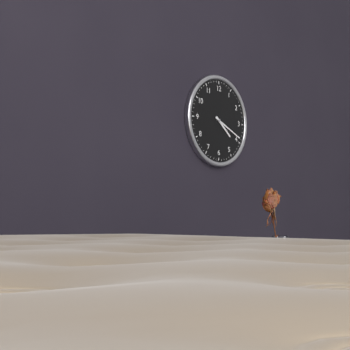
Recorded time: **4:19**
